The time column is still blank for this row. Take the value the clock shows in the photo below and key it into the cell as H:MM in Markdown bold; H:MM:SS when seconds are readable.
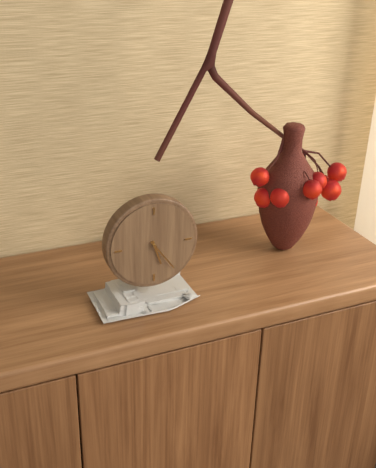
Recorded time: **5:24**
